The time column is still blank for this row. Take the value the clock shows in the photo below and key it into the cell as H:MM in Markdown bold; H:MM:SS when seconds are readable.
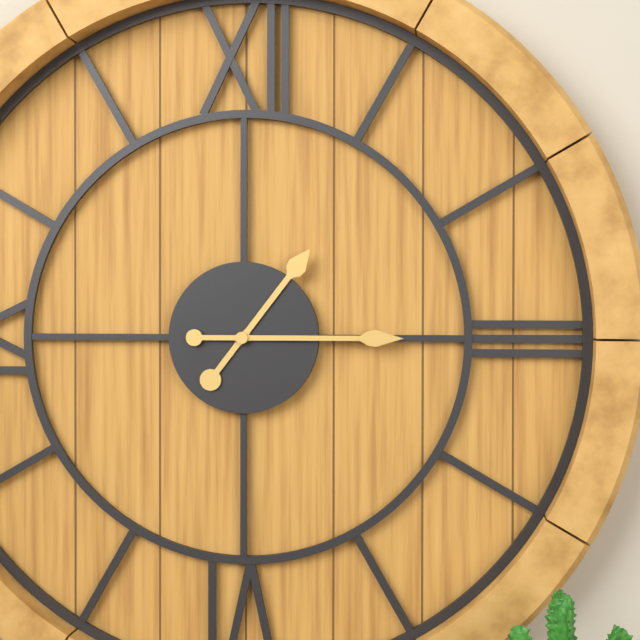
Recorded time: **1:15**
